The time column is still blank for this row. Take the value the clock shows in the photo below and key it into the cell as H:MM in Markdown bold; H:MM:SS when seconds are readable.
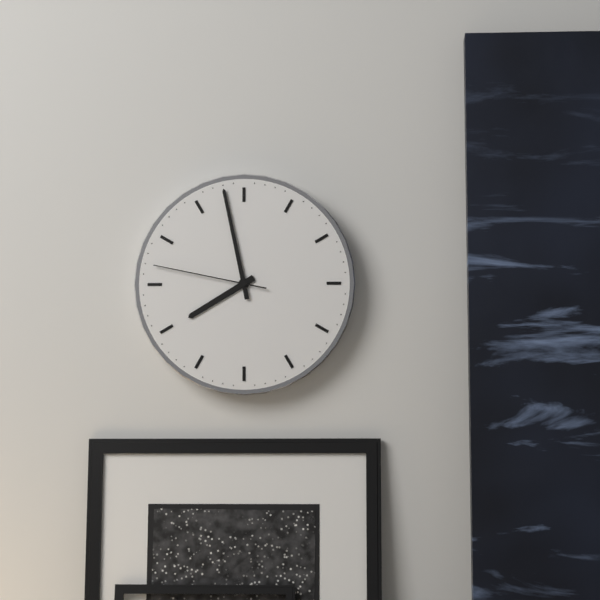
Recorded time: **7:58:47**
